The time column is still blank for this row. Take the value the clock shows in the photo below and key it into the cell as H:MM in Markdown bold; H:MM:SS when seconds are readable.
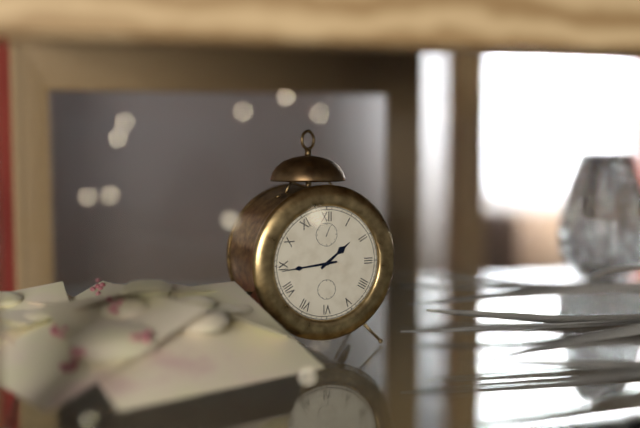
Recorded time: **1:44**
